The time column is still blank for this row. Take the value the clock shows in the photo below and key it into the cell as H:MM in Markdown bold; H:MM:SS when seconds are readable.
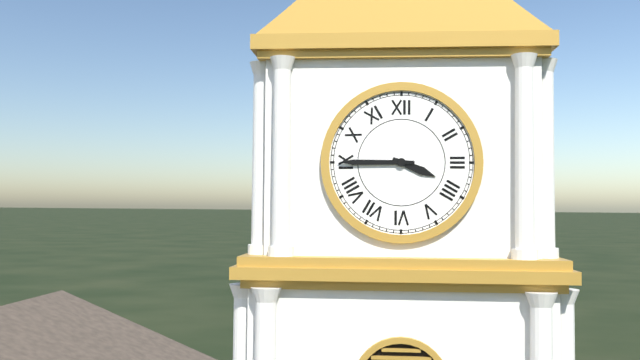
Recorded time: **3:45**
